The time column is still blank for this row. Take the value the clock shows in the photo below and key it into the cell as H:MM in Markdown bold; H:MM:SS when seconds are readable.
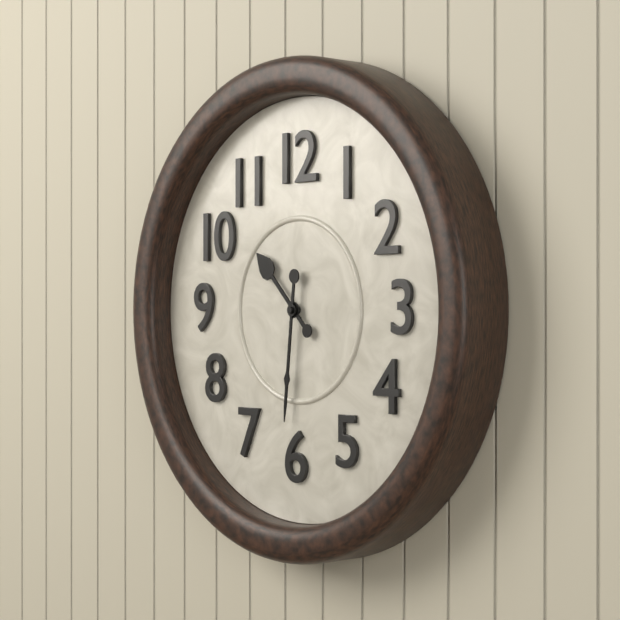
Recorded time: **10:31**
